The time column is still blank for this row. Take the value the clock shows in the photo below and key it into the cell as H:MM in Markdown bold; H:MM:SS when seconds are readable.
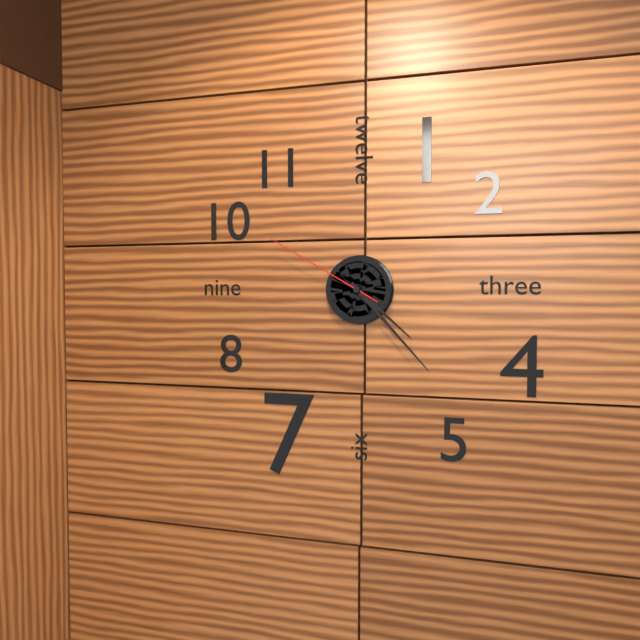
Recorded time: **4:23:50**
